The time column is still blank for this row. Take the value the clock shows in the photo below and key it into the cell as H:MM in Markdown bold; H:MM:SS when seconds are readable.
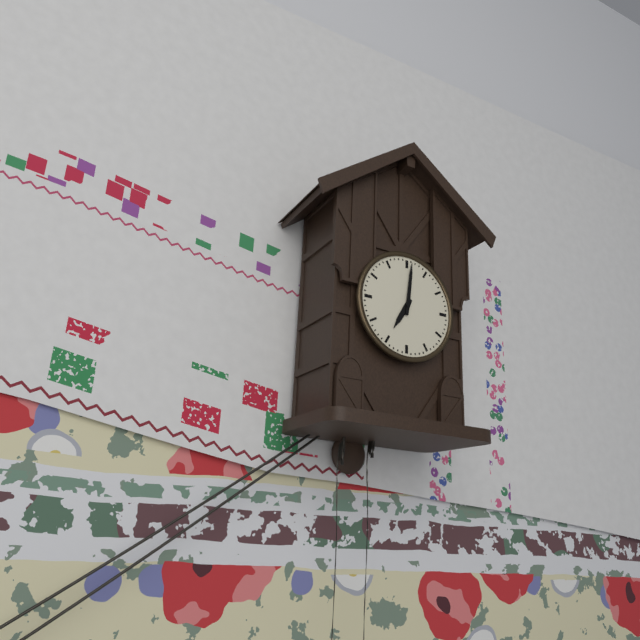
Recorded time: **7:01**
